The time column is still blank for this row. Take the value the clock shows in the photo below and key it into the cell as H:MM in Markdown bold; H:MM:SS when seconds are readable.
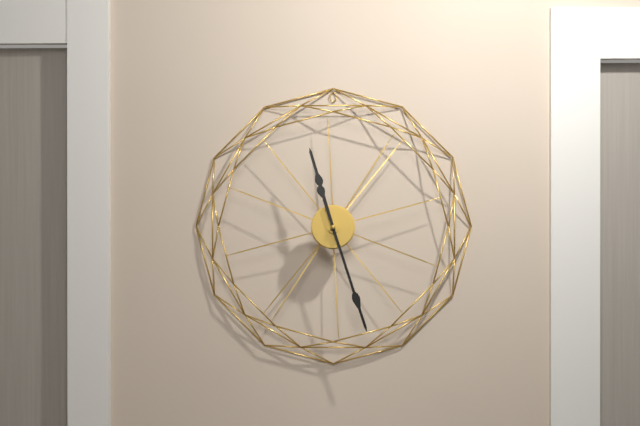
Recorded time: **11:27**
